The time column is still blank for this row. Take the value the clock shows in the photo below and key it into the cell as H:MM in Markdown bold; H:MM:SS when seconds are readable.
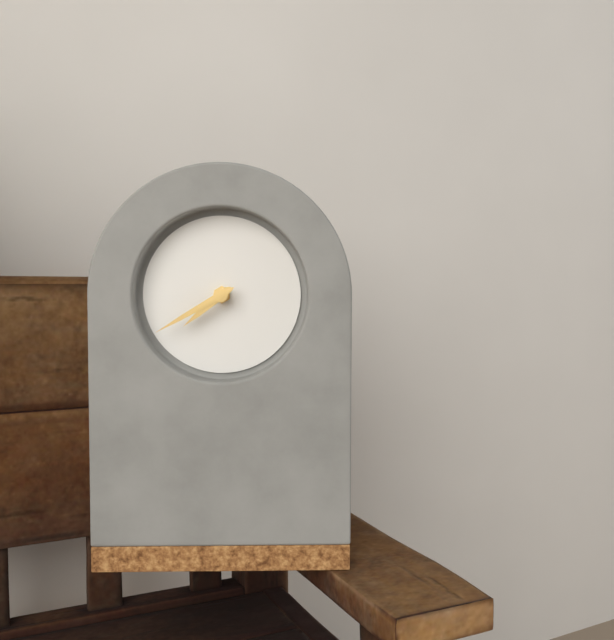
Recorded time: **7:40**
